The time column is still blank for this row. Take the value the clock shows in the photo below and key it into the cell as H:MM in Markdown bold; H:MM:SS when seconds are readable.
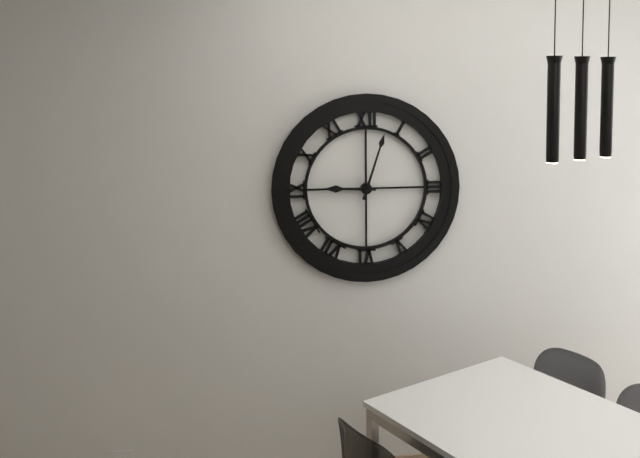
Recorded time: **9:03**
